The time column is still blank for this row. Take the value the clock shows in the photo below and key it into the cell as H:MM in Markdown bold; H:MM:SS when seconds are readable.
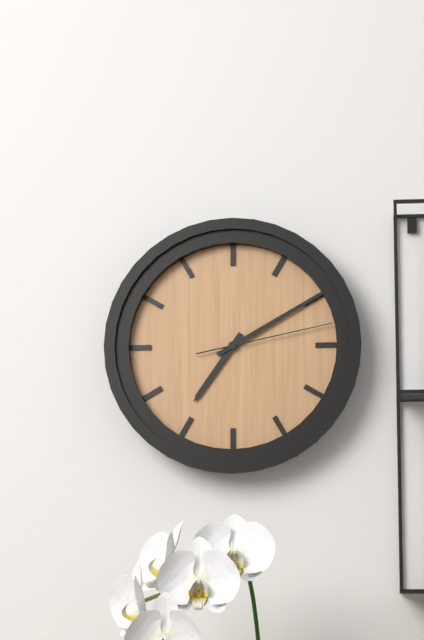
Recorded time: **7:10:13**
